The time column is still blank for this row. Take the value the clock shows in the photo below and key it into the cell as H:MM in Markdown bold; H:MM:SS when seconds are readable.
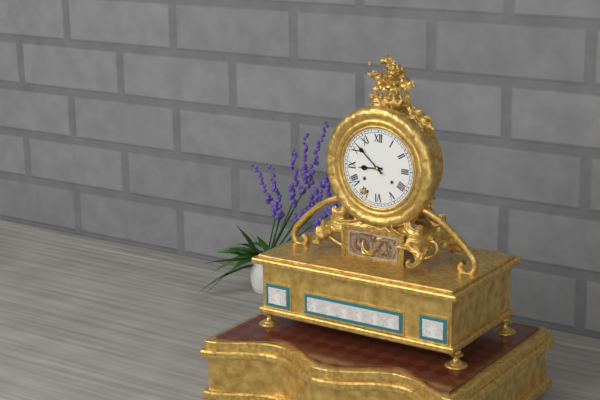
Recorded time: **8:52**
